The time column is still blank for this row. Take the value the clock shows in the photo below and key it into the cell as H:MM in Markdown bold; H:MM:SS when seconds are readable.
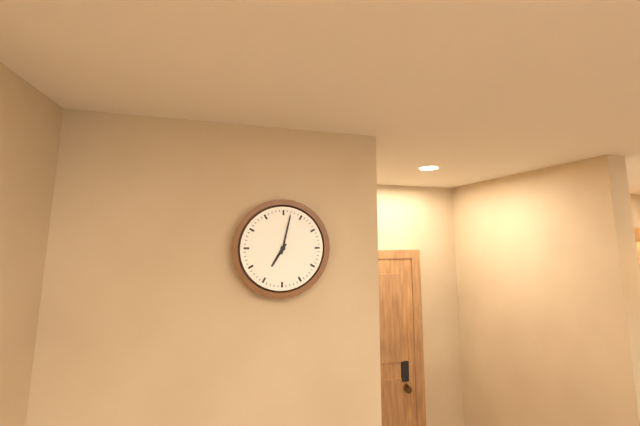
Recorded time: **7:02**
